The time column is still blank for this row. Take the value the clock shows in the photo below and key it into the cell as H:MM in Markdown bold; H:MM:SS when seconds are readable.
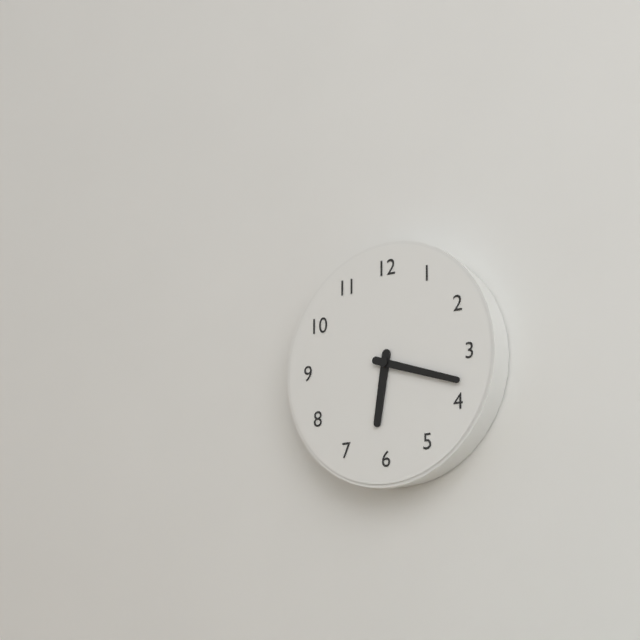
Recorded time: **6:18**
